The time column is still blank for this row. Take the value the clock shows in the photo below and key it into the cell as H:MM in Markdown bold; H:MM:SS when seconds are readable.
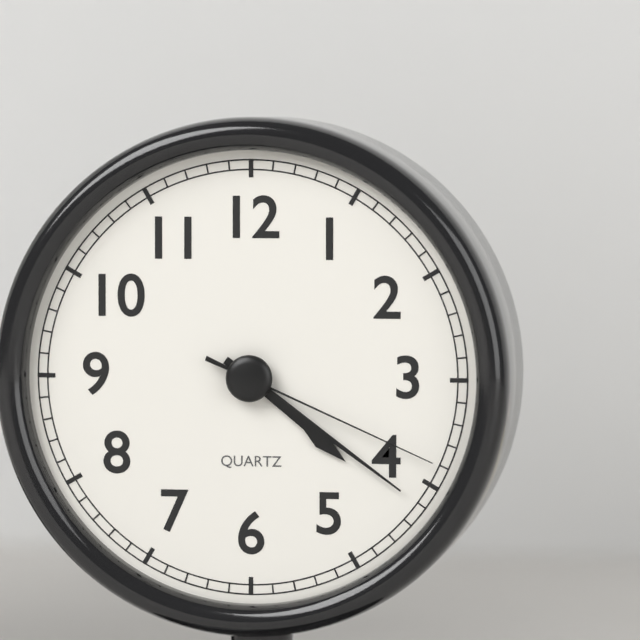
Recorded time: **4:21:19**
